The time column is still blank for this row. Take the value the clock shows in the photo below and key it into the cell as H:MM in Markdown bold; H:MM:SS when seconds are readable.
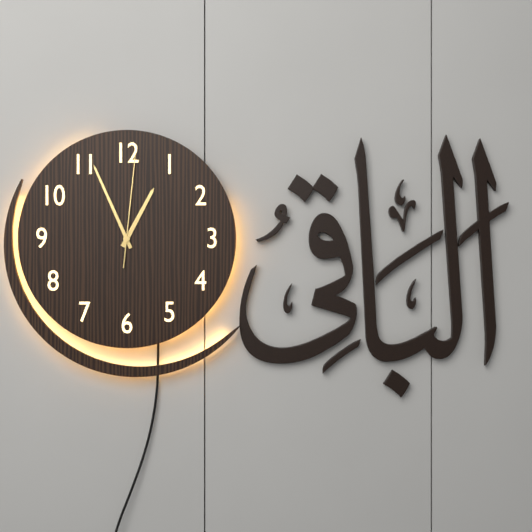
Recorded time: **12:56:01**
